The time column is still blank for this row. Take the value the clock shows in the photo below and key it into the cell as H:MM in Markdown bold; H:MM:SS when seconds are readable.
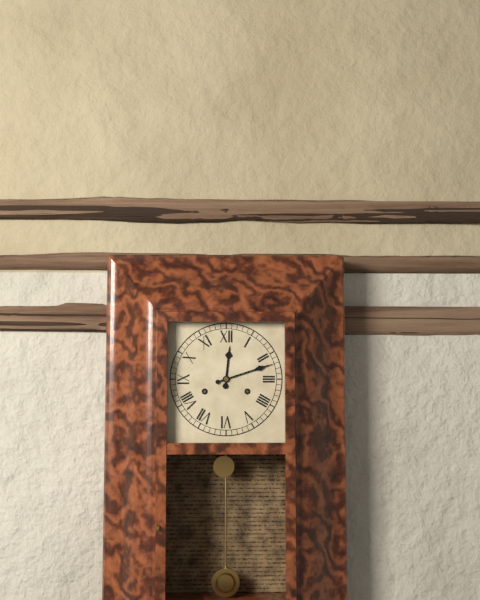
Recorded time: **12:12**
